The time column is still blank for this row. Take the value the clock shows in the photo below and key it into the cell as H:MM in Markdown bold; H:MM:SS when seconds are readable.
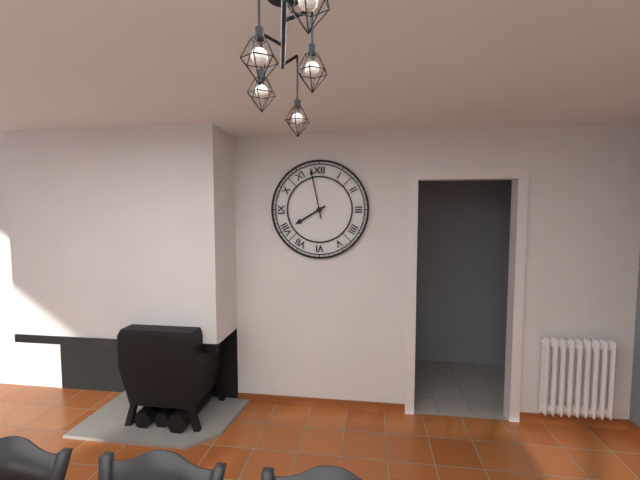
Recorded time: **7:58**
